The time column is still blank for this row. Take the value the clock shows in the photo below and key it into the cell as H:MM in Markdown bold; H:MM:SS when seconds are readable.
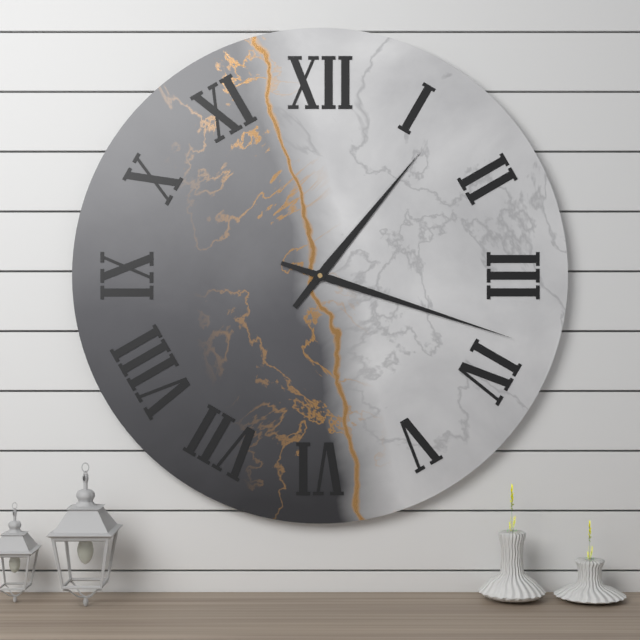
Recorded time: **1:18**
